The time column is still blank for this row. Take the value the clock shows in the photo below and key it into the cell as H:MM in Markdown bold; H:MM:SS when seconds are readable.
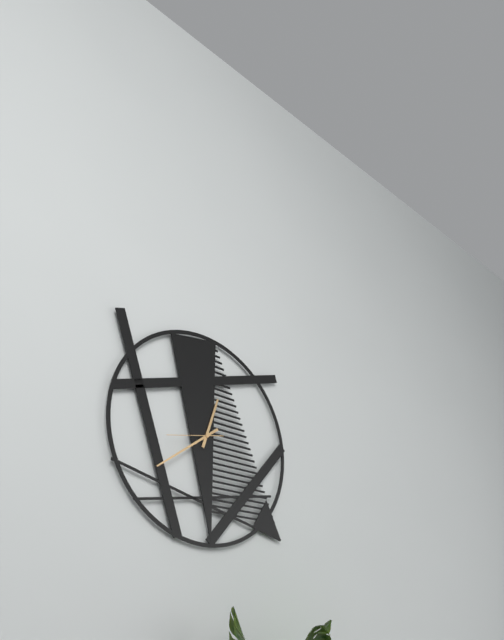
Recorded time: **12:39:43**
